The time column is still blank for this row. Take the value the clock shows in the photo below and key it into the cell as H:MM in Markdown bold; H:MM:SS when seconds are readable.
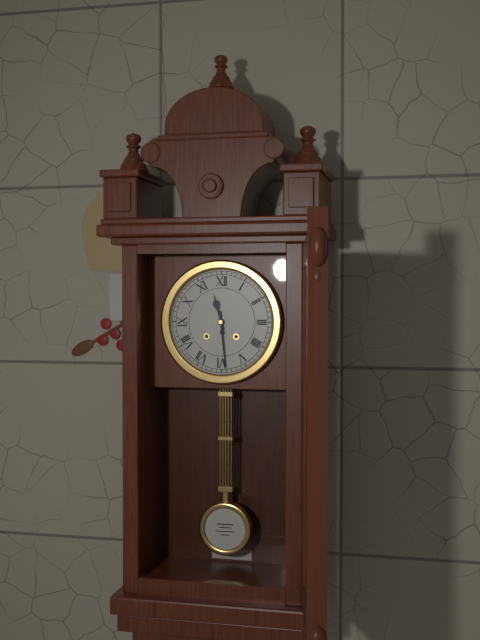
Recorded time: **11:29**
